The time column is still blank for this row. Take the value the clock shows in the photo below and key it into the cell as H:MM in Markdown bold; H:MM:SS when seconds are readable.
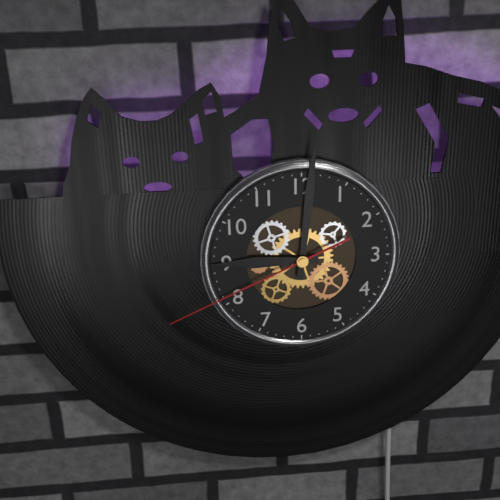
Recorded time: **9:01:41**
